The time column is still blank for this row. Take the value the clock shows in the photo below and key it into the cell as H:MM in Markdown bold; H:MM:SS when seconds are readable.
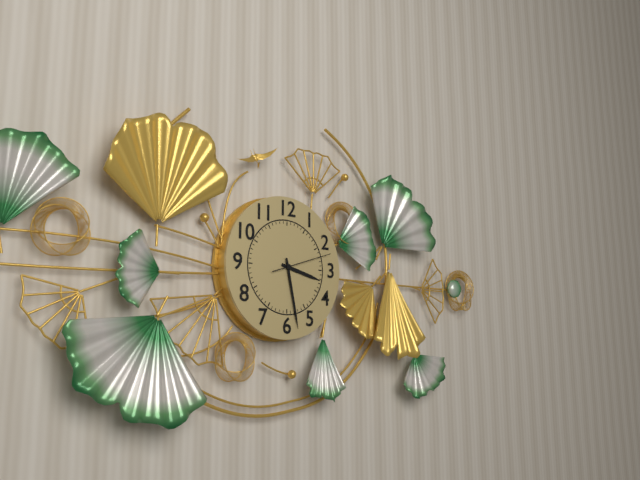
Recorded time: **3:28:12**
